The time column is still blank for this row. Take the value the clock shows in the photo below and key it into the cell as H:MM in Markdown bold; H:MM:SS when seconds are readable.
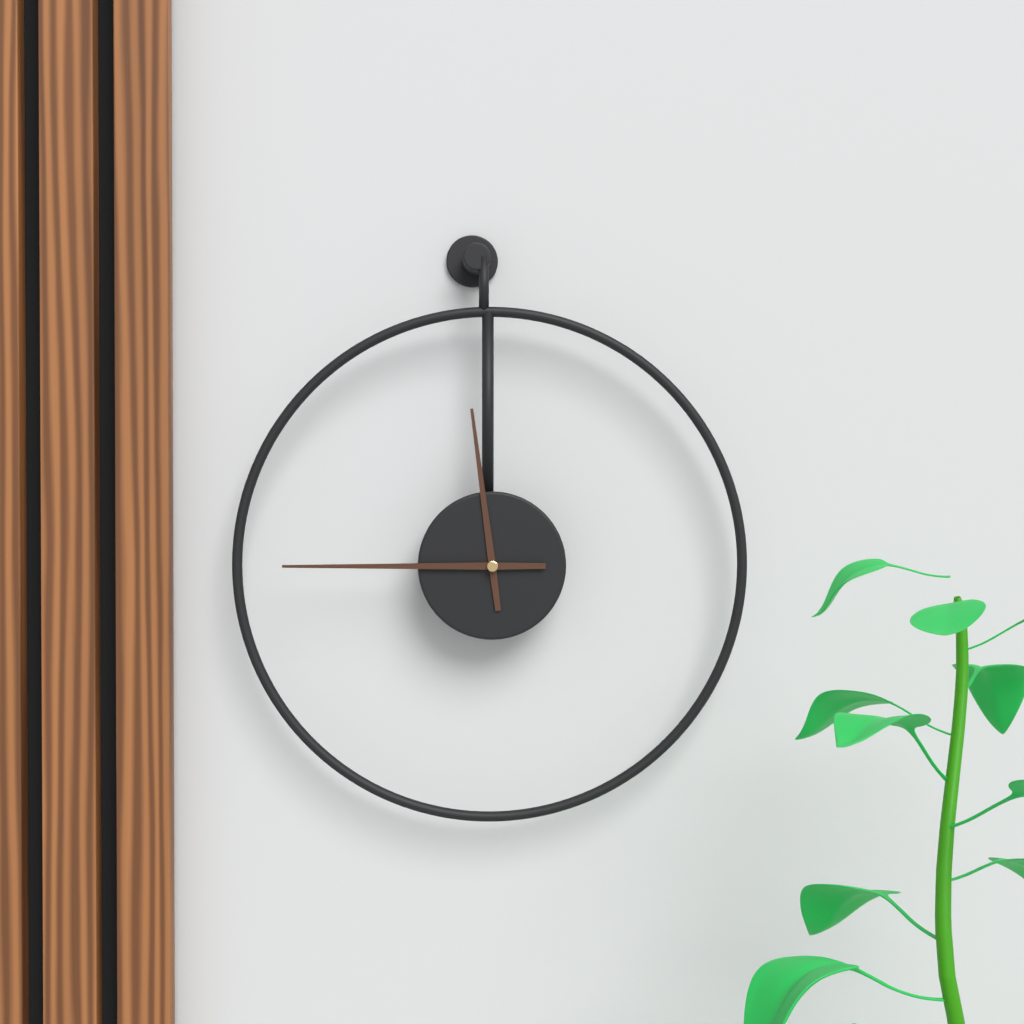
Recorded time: **11:45**
